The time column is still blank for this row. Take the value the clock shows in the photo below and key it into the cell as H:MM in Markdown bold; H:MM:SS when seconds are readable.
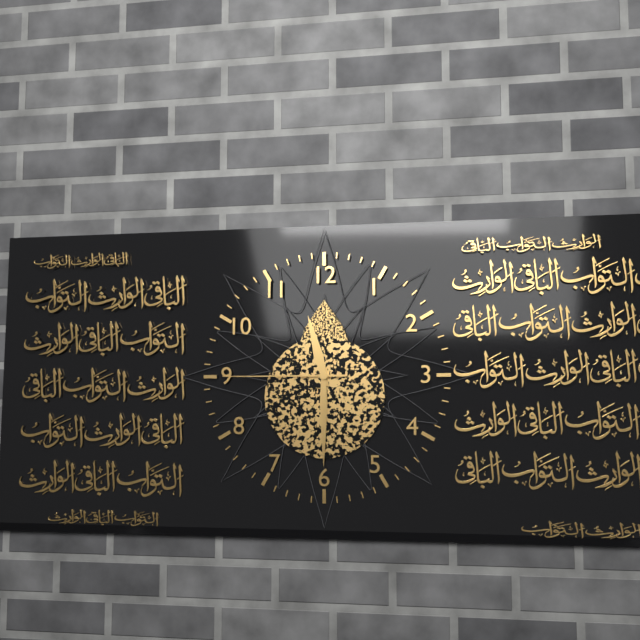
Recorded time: **11:30:45**
